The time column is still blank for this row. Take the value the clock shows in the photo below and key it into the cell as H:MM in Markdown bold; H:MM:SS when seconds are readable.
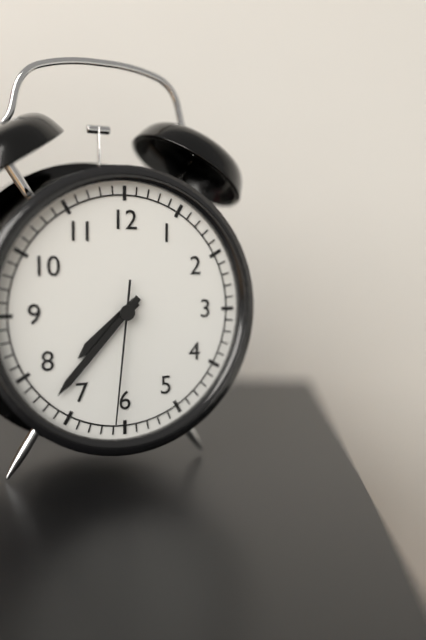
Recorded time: **7:37:31**
